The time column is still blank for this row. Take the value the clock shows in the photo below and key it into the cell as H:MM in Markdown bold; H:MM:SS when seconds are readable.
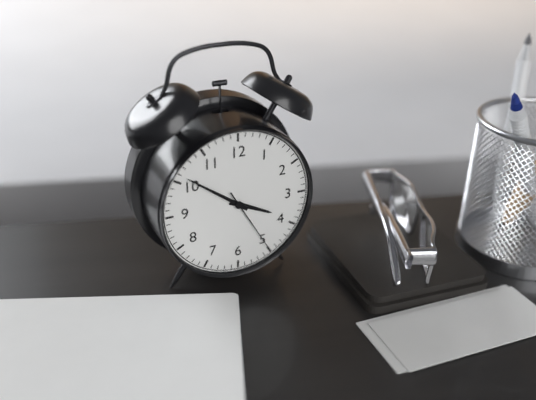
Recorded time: **3:51:25**
